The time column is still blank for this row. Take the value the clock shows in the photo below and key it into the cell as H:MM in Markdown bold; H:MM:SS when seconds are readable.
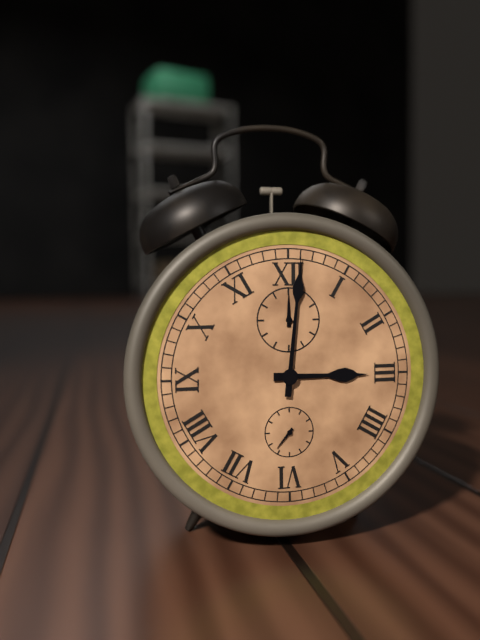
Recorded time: **3:01**
